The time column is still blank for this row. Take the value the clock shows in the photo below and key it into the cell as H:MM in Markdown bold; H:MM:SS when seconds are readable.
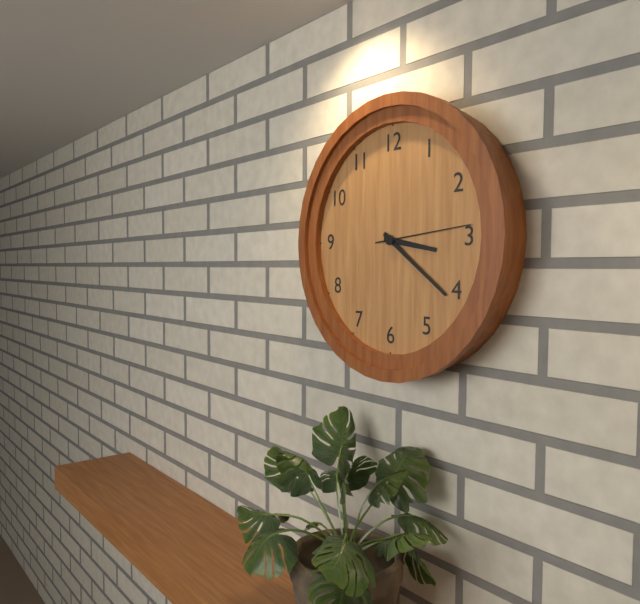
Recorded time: **3:21:14**
